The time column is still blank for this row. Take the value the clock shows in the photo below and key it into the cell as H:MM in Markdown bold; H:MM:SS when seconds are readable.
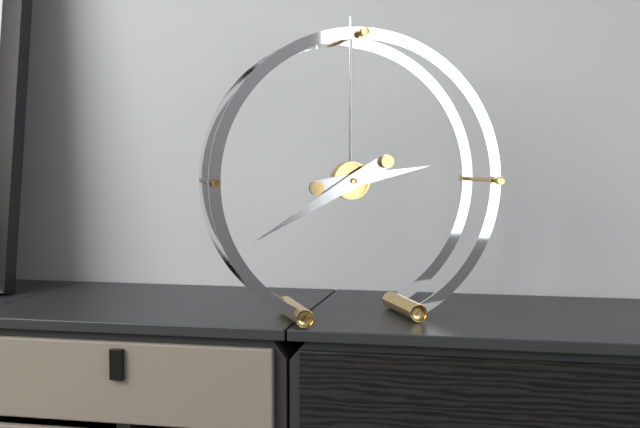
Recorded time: **2:40**
